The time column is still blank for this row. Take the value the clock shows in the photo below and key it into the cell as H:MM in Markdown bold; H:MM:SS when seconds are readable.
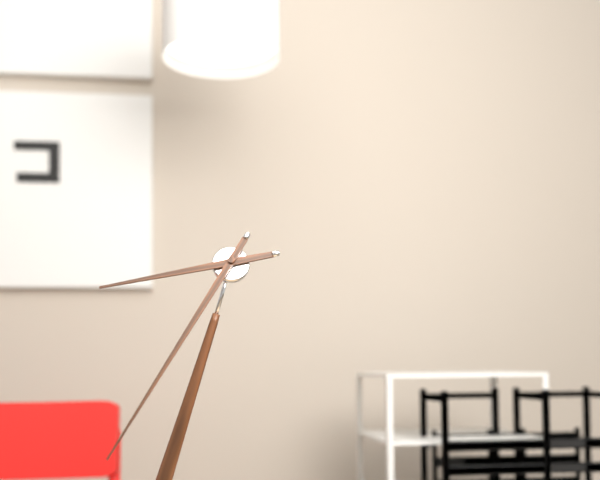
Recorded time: **8:35**
